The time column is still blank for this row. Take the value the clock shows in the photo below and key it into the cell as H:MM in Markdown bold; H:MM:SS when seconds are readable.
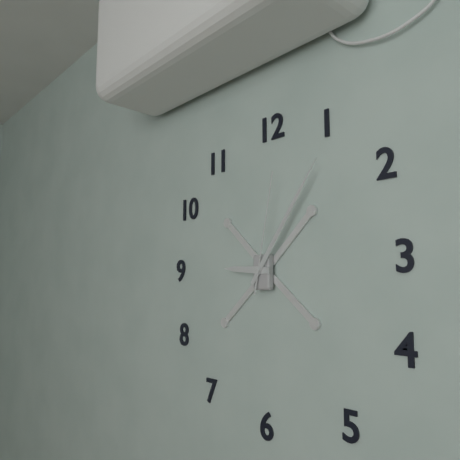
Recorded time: **9:06:02**
